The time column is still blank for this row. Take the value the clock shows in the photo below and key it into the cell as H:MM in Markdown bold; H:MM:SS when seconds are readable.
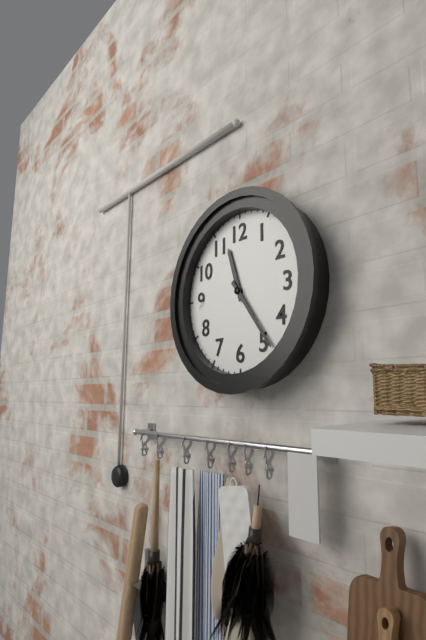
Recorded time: **11:24**
